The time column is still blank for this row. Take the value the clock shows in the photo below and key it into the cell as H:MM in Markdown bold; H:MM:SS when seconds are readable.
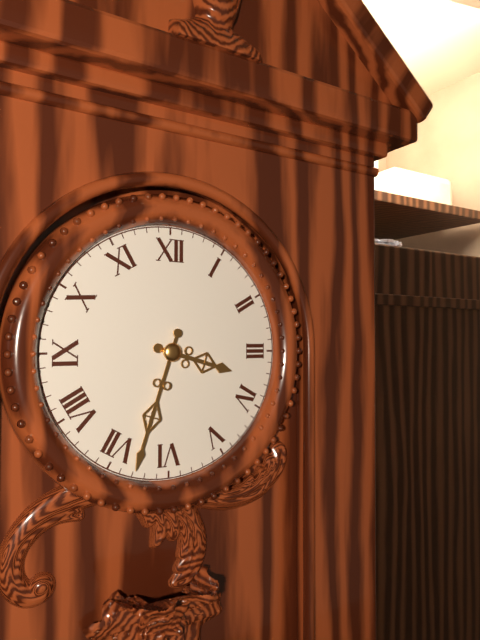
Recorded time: **3:33**
